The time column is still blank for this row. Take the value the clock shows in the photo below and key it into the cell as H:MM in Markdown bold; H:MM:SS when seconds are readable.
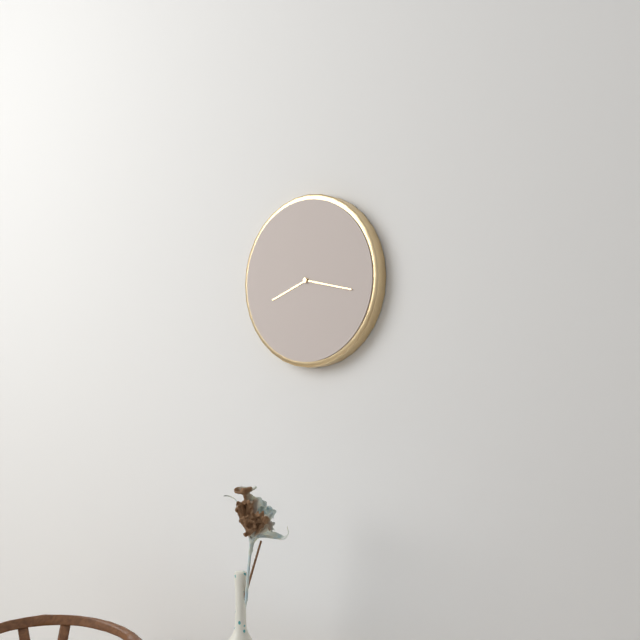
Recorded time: **8:17**
